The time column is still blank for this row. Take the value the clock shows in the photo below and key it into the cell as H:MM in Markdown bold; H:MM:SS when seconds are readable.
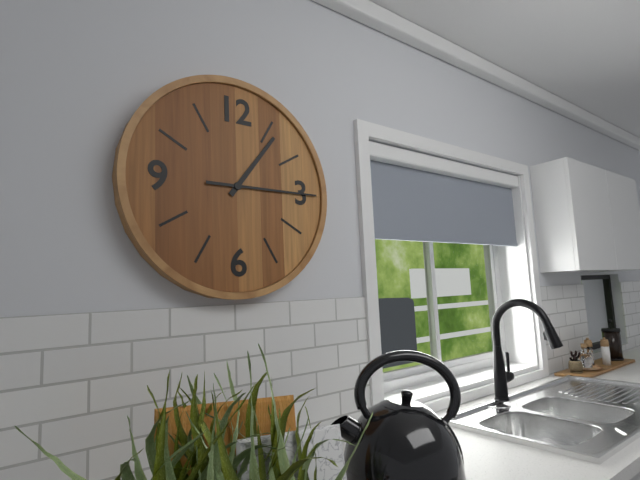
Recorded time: **1:15**
